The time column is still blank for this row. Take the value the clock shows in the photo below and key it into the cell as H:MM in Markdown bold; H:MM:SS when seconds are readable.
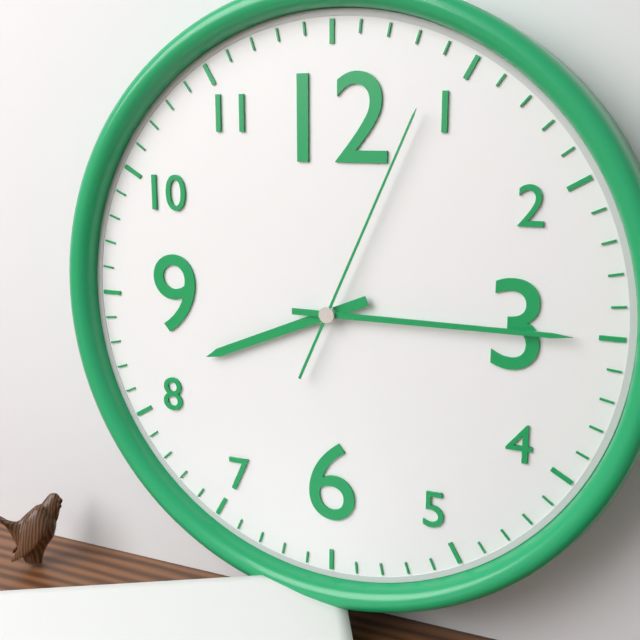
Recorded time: **8:15:04**
